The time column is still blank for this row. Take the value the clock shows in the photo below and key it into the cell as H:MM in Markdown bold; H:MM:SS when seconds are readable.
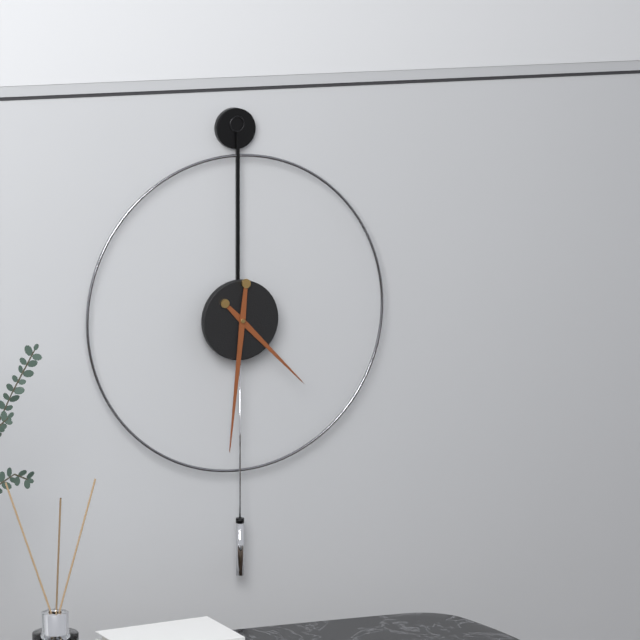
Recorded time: **4:31**
